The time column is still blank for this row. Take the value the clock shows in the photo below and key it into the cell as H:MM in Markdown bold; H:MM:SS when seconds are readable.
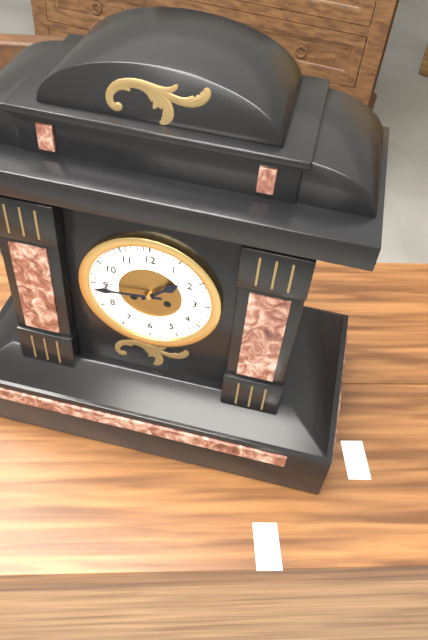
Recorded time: **1:44**
